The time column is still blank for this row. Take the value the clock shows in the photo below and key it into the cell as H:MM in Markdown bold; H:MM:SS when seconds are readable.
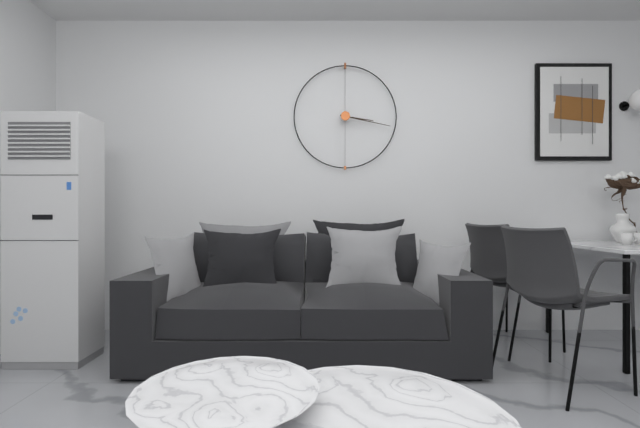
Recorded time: **3:17**
